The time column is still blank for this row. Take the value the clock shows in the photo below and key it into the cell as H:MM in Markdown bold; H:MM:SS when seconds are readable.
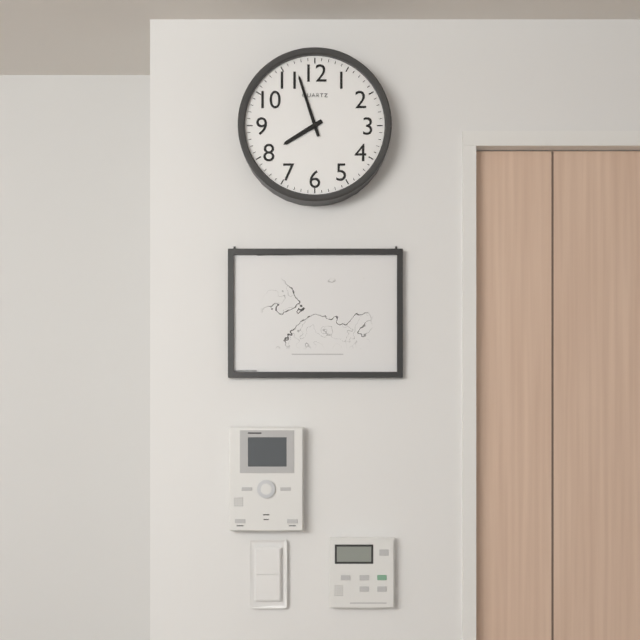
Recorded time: **7:57**
